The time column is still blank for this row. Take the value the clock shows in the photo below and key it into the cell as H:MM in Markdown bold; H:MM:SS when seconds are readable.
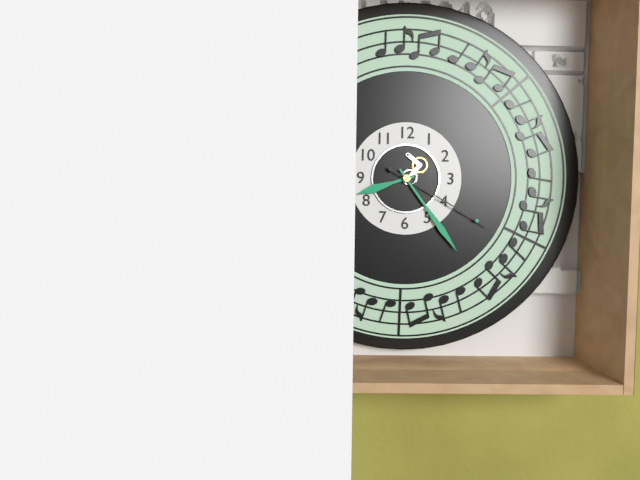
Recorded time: **8:24:20**
